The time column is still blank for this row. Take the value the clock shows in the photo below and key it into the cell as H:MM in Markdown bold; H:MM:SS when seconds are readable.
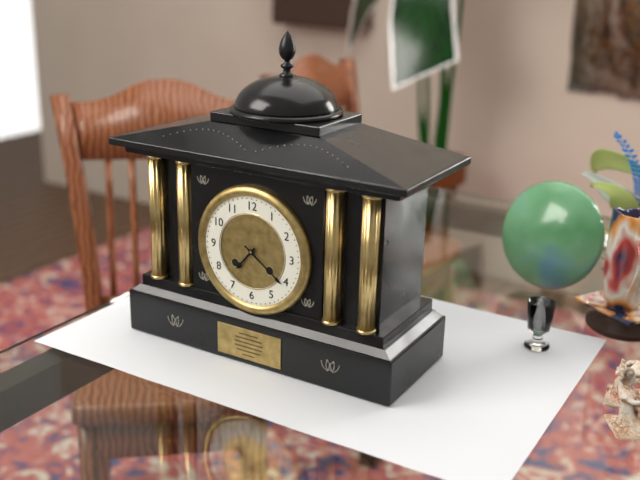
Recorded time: **7:21**
